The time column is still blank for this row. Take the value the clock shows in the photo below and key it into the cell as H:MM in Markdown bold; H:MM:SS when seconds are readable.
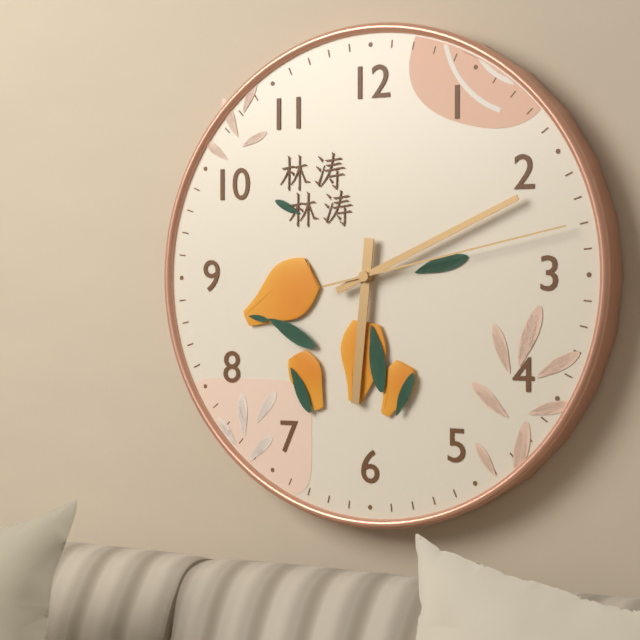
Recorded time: **6:11:13**
